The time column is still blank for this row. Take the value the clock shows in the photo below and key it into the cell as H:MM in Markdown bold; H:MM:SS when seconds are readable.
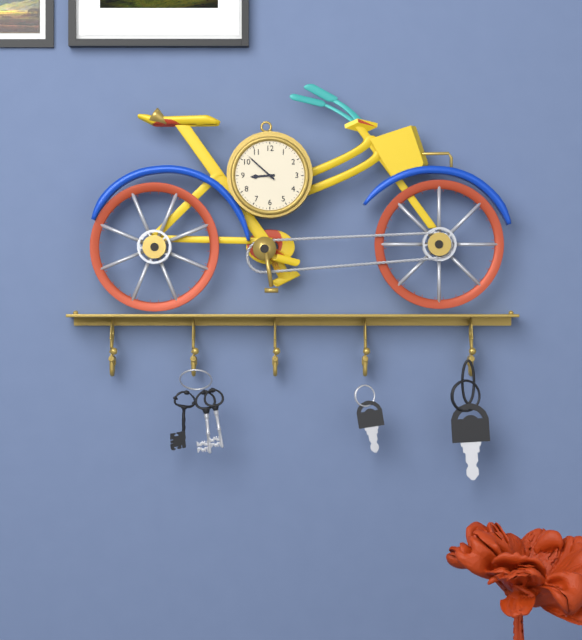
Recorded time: **8:52**
